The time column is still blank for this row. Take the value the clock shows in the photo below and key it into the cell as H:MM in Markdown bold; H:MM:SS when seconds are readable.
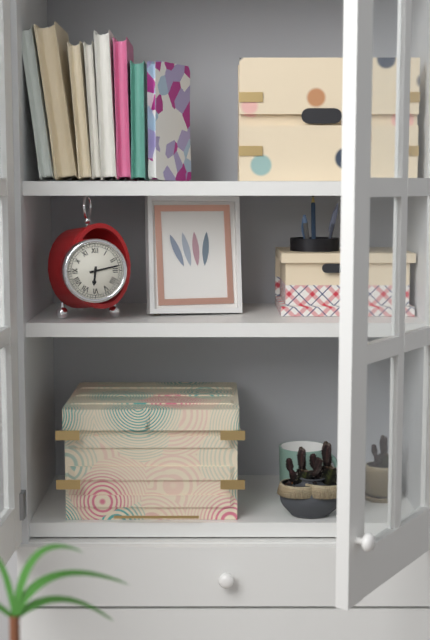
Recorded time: **6:13**
